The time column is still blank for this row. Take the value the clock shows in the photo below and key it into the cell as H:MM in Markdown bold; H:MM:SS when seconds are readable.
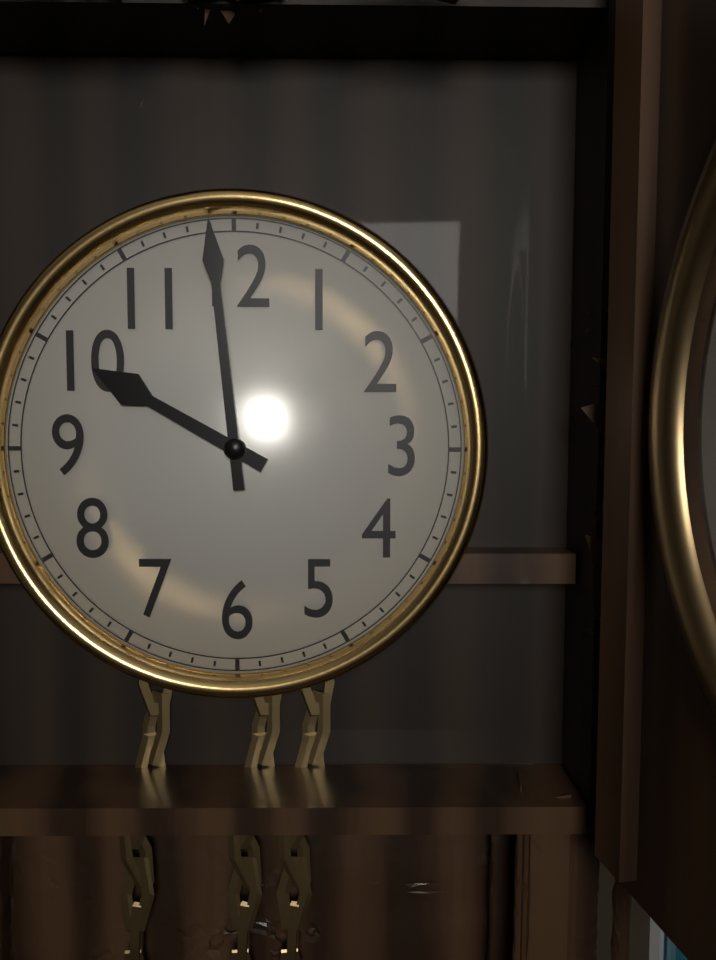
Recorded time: **9:59**
